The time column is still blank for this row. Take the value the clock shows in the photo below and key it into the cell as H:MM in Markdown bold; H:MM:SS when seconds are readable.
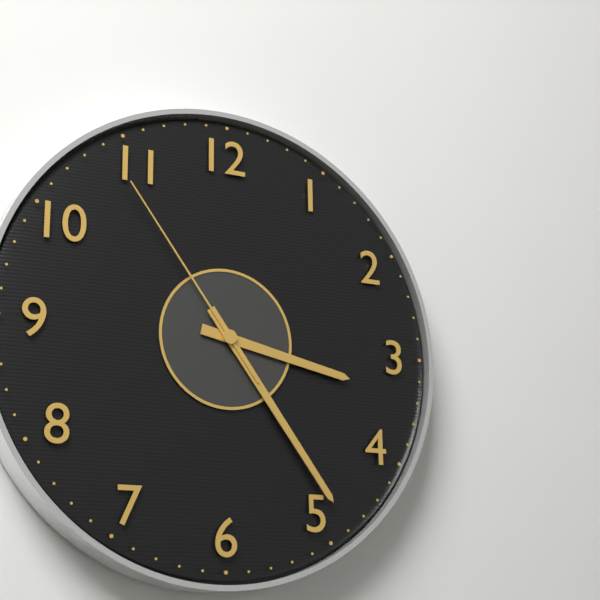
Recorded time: **3:24:54**
